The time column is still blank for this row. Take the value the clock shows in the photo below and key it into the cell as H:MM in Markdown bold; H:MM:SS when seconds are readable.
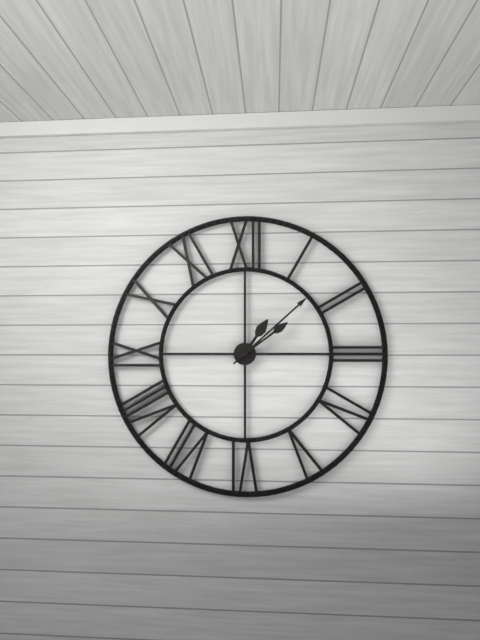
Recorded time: **1:08:09**
